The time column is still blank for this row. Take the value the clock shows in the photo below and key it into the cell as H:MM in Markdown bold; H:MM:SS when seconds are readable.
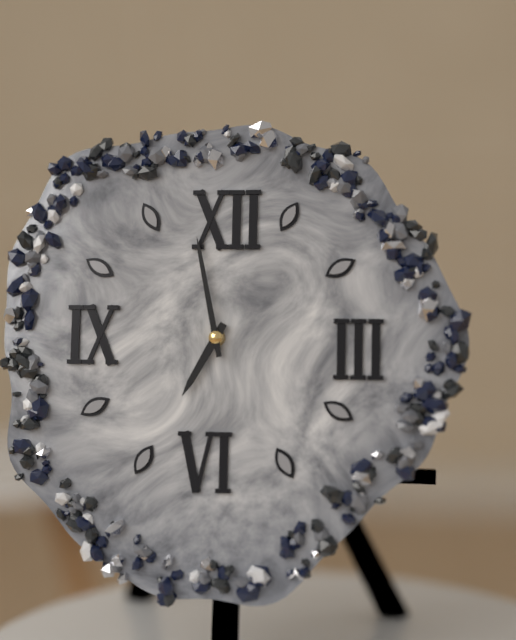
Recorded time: **6:58**
